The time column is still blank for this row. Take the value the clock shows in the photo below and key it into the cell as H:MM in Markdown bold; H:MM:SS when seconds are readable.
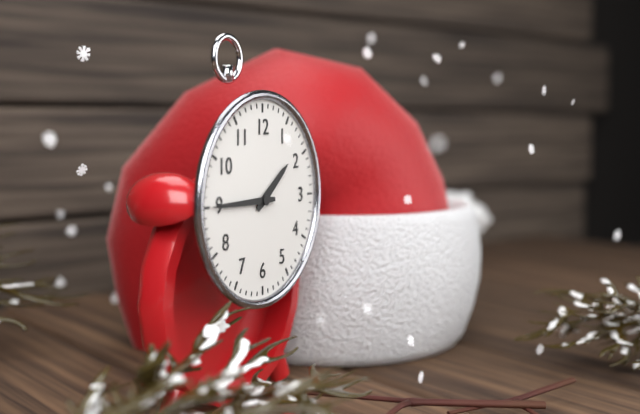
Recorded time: **1:45**
